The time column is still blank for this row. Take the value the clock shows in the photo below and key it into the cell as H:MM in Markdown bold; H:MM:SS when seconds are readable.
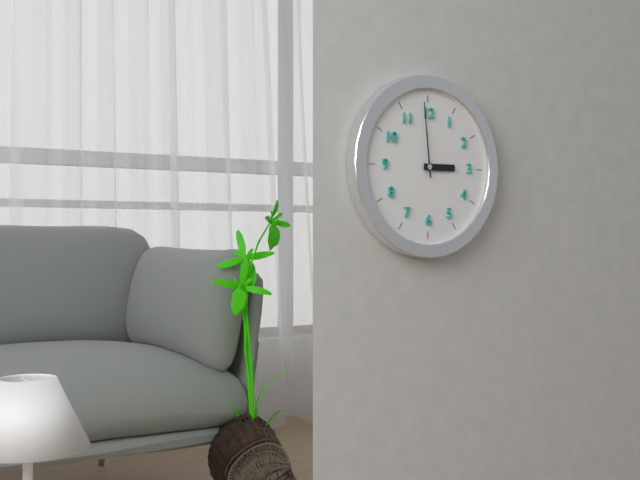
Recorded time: **2:59**
